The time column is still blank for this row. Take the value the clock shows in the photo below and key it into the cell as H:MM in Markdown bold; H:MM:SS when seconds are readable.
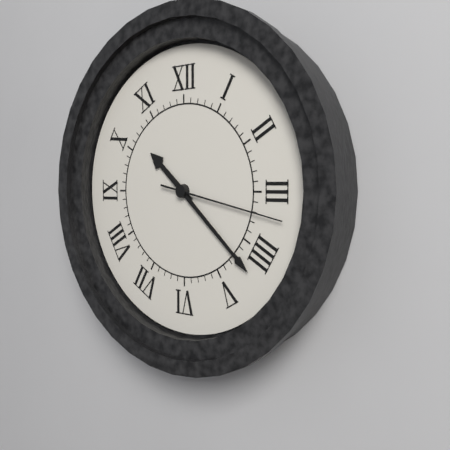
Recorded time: **10:22:17**
